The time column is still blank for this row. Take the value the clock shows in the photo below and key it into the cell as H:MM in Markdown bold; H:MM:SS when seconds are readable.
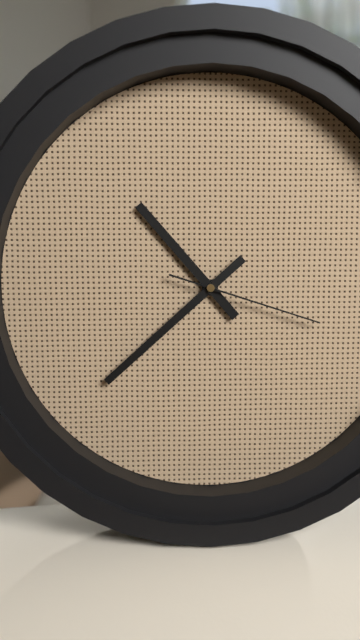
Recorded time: **10:38:18**
